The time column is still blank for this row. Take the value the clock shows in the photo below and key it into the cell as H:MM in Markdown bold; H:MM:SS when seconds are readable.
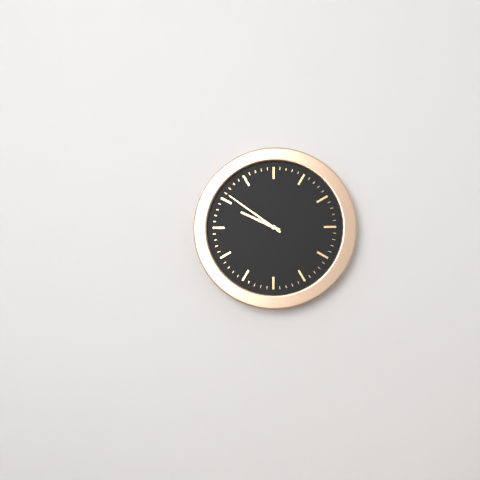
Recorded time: **9:51**
